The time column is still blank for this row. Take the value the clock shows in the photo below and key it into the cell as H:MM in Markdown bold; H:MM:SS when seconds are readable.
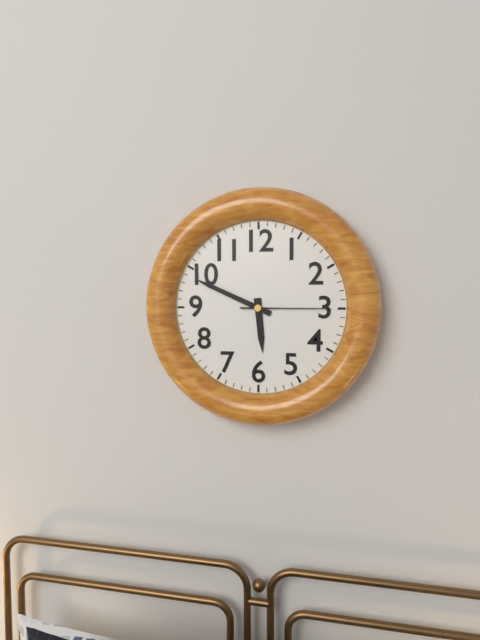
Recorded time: **5:49:15**
